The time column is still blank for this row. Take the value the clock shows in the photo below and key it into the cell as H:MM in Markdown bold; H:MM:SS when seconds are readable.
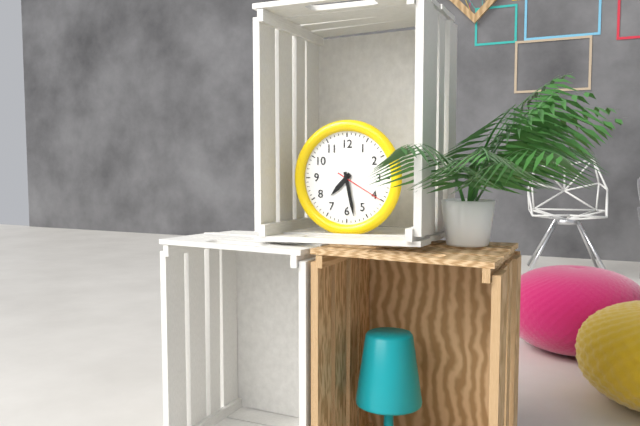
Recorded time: **7:28**
